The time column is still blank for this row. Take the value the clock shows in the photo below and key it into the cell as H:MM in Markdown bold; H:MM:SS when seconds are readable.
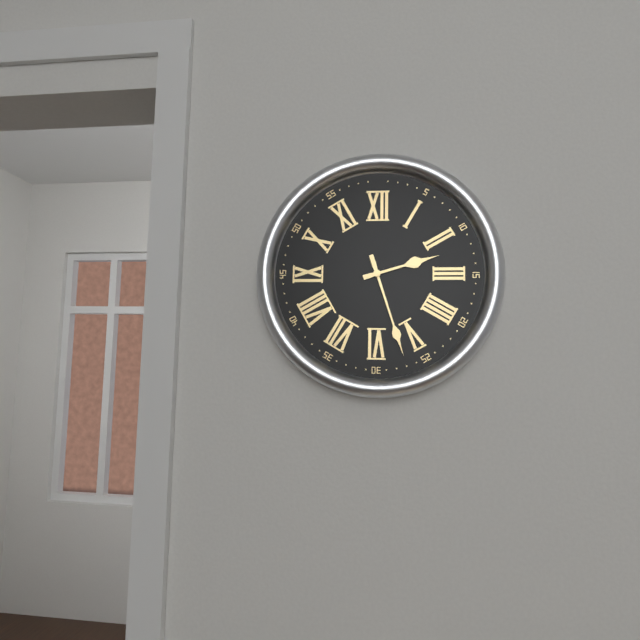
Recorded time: **2:27**
